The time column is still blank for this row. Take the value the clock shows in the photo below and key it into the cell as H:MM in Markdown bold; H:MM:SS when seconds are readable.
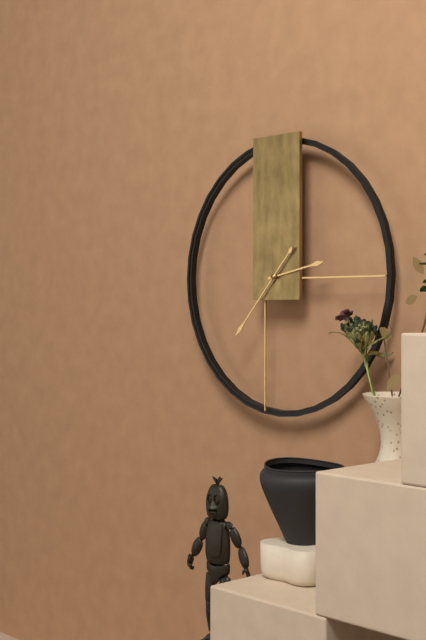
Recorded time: **2:37**
